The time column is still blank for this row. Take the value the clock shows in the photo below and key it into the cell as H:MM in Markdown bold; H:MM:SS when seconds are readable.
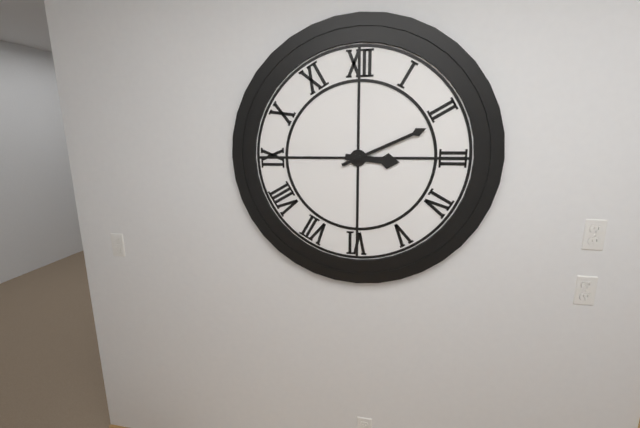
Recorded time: **3:11**
